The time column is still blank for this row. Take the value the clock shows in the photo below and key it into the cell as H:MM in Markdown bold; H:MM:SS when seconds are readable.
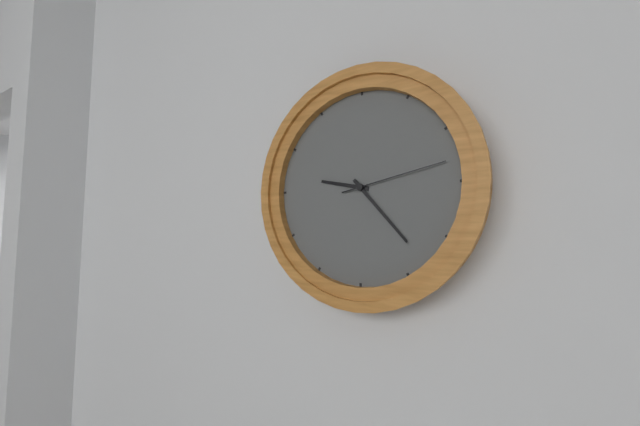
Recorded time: **9:23:13**
